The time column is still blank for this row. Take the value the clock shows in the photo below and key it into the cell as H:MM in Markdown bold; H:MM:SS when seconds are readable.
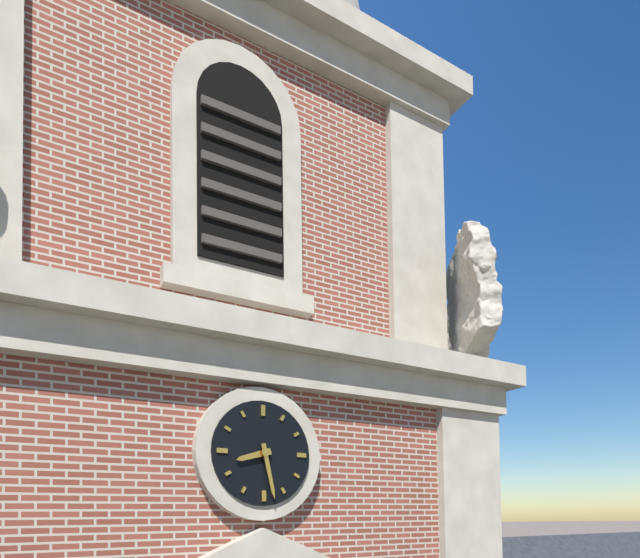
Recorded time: **8:28**
